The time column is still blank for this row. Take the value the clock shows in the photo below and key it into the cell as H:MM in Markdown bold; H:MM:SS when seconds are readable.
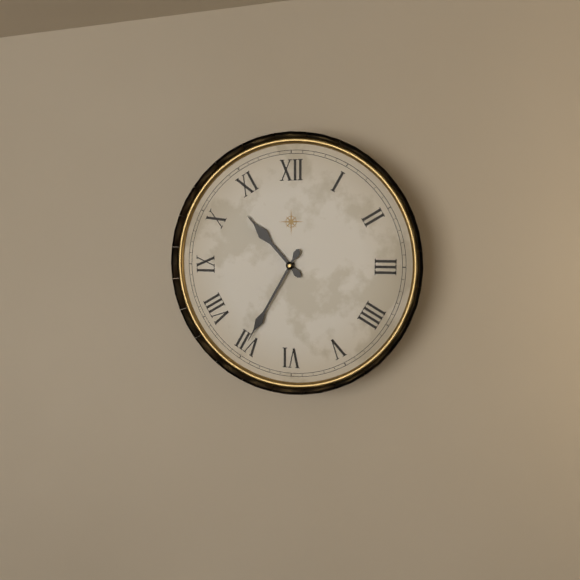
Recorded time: **10:35**
